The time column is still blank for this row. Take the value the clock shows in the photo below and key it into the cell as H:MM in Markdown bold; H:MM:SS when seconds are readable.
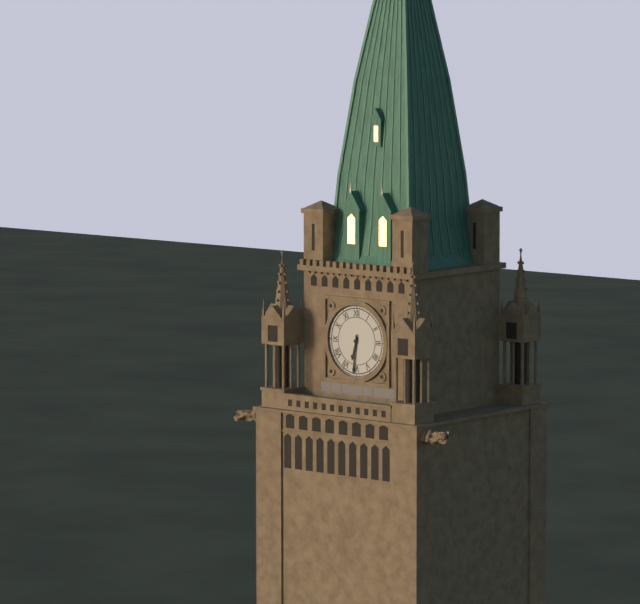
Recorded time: **6:31**
